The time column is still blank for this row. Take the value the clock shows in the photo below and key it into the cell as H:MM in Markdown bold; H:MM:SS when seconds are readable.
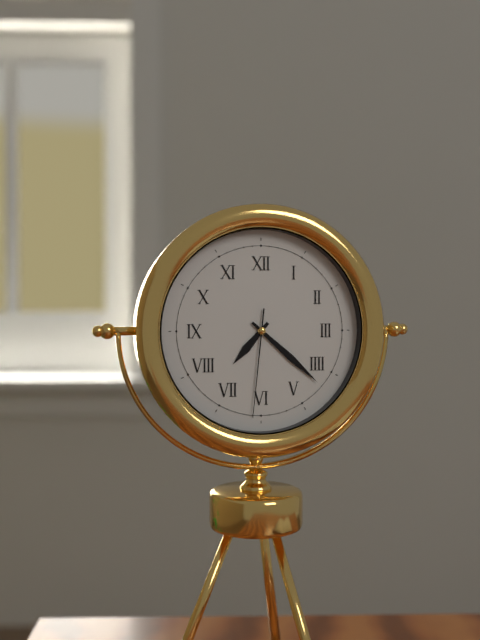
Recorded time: **7:22:31**
